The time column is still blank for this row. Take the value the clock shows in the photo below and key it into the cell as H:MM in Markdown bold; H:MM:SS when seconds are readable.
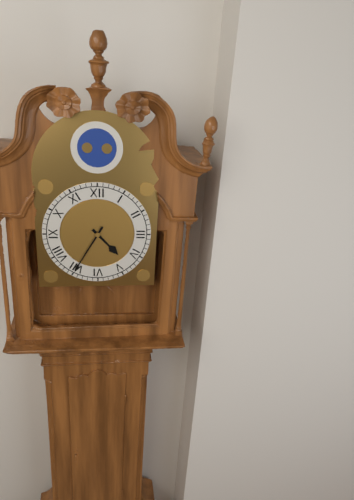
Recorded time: **4:35**
